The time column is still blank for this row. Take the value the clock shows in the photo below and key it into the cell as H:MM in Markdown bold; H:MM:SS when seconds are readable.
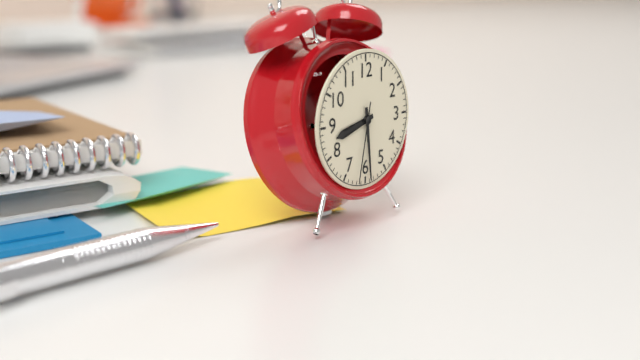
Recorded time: **8:29:32**
